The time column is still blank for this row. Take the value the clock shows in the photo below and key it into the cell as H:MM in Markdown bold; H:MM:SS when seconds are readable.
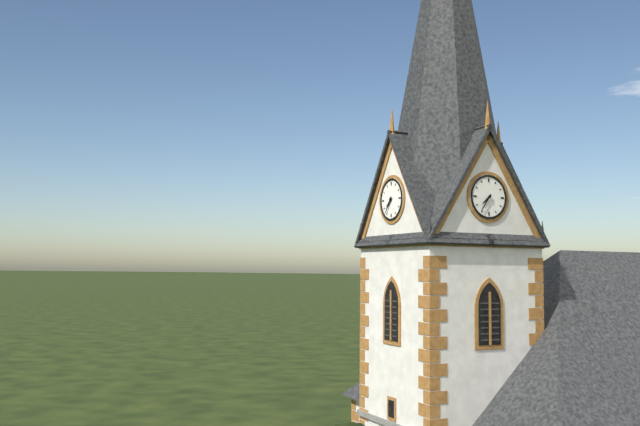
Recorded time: **7:36**
